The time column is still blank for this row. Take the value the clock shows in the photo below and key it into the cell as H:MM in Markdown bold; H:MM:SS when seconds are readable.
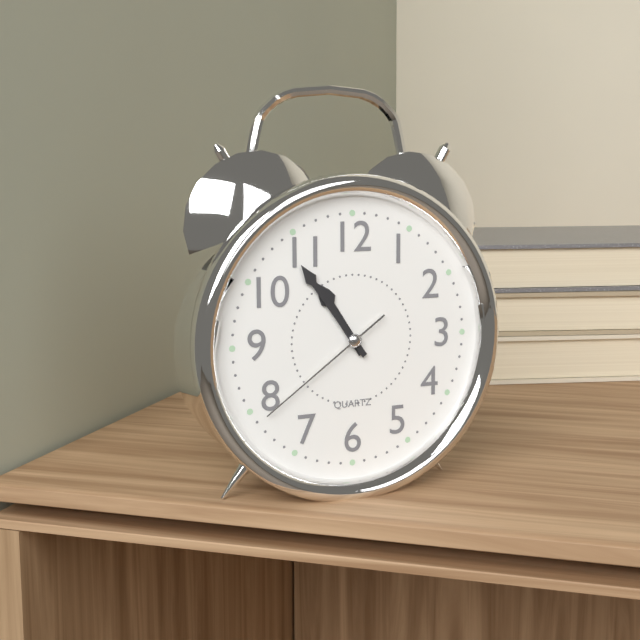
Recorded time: **10:54:39**
